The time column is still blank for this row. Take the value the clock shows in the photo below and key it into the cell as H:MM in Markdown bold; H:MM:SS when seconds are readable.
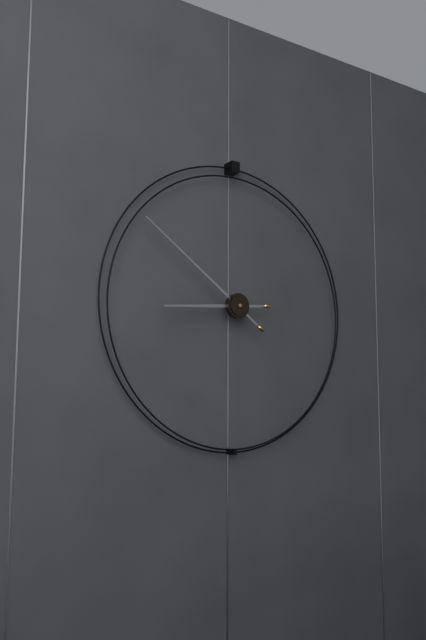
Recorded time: **8:51**
